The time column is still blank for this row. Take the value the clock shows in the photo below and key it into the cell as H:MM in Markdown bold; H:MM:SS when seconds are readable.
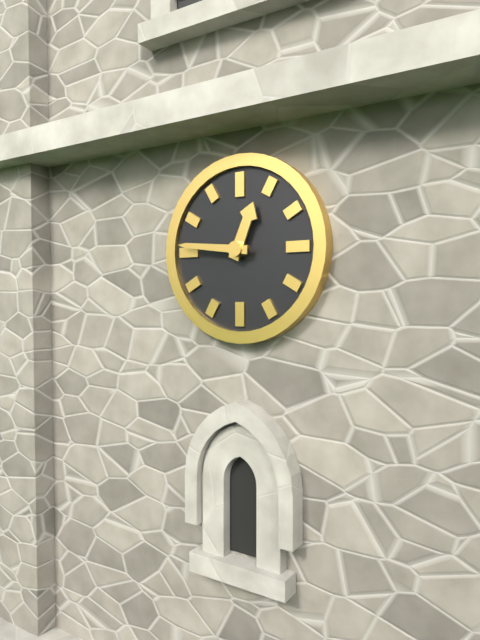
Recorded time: **12:46**
